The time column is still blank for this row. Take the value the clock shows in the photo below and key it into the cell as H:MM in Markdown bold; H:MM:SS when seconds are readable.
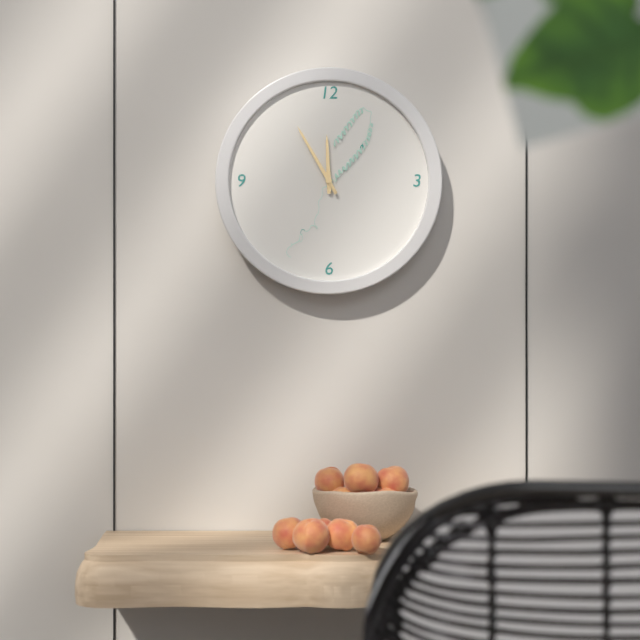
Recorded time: **11:55**
